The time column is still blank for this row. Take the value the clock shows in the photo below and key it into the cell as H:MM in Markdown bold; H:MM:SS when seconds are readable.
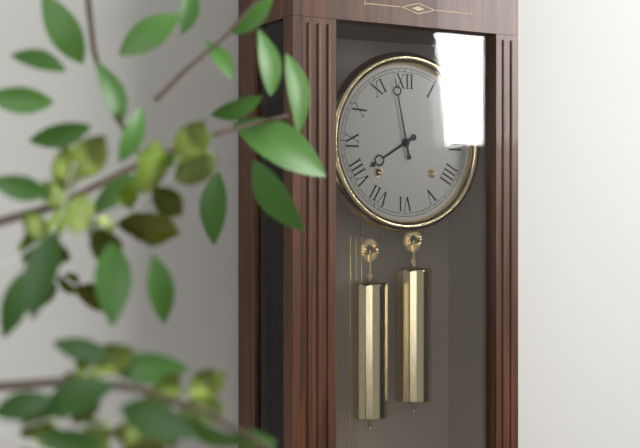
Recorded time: **7:58**
